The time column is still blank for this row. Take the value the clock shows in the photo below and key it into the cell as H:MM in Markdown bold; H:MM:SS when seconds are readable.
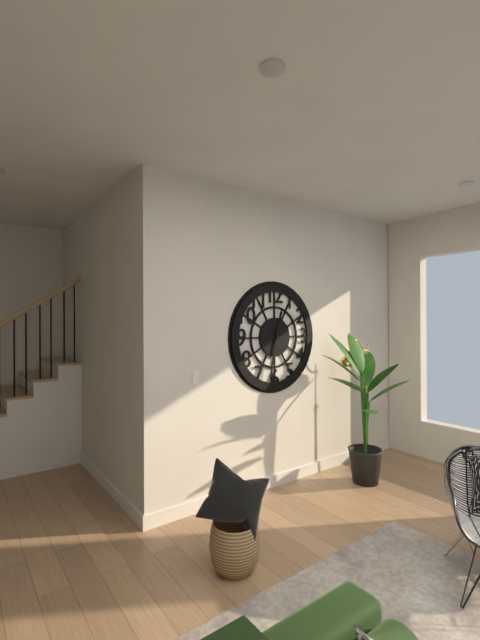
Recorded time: **12:32**
